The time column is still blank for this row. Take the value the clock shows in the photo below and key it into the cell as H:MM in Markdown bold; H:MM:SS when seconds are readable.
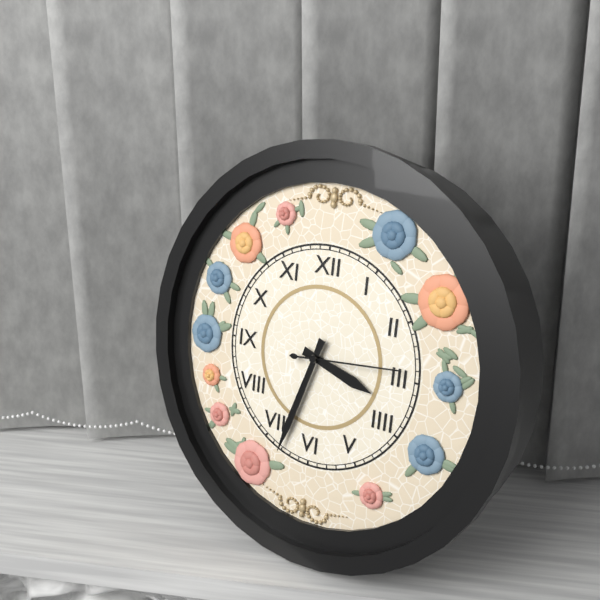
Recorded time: **3:33:14**
